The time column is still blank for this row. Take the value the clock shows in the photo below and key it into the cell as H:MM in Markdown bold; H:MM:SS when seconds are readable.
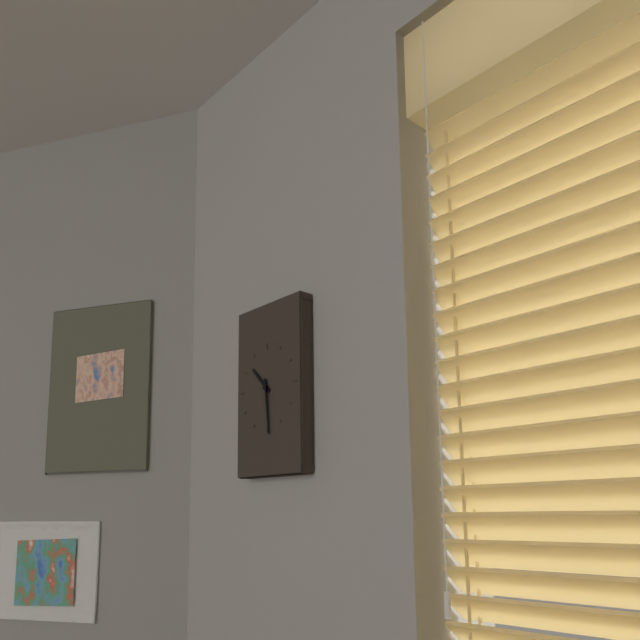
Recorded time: **10:29**
